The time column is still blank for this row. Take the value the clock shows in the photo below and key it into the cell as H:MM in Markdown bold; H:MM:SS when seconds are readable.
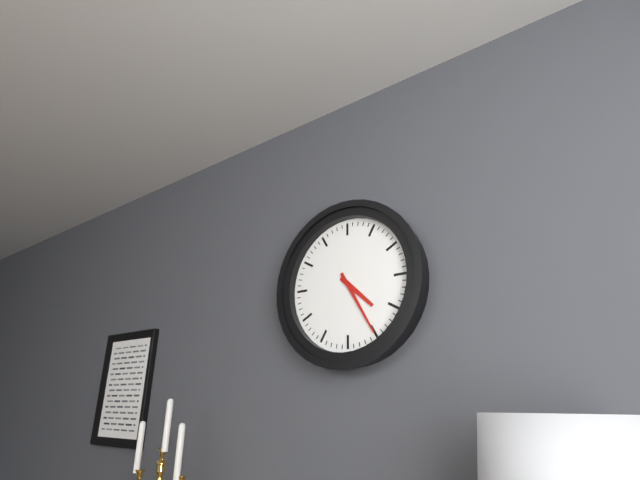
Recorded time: **4:25**
